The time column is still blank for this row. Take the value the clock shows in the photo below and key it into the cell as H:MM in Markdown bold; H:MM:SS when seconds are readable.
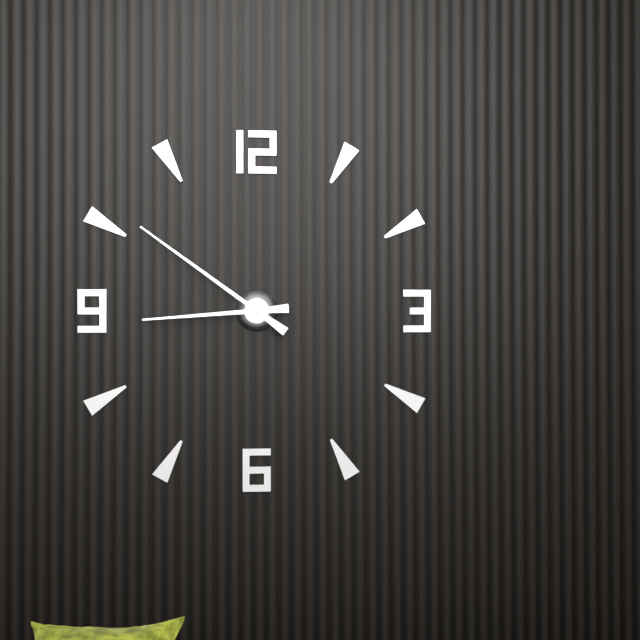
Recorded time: **8:51**
